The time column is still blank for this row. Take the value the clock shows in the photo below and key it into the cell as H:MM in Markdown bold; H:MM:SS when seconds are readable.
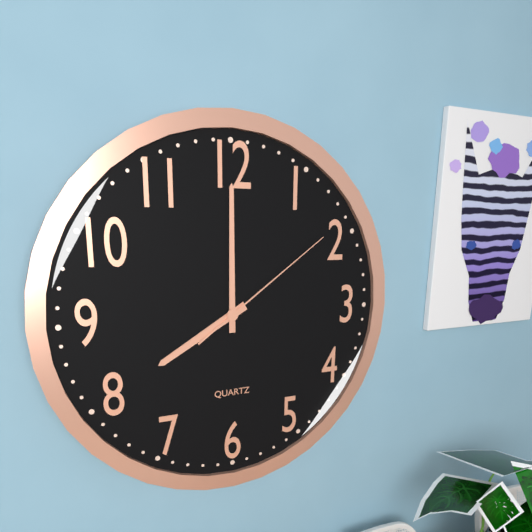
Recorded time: **8:00:09**
